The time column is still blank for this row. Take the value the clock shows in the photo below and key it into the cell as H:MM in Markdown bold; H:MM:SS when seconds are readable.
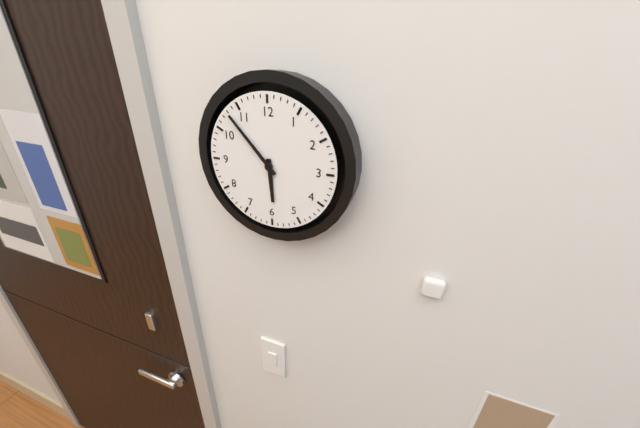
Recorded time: **5:53**
